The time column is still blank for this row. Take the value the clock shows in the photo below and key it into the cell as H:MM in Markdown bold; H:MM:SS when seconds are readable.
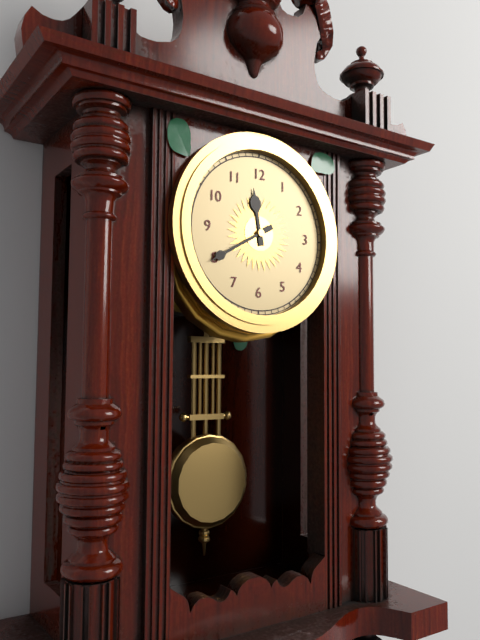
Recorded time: **11:40**
